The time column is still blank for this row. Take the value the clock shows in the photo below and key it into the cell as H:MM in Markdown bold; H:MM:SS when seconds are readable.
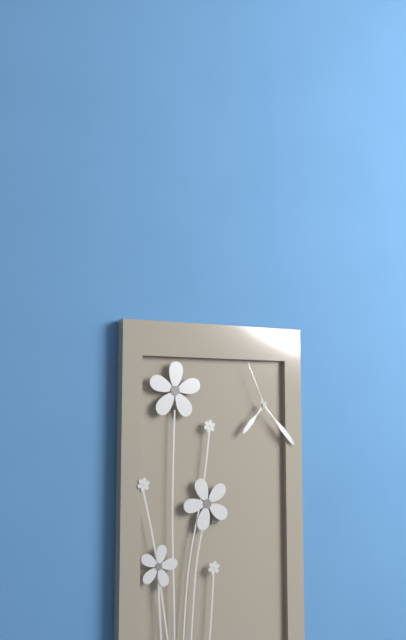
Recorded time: **7:23:56**
